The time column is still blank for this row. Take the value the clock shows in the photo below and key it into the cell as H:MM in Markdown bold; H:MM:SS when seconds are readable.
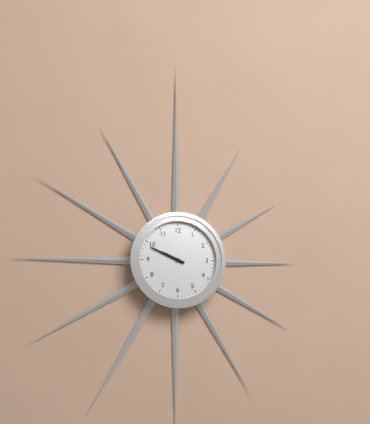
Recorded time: **9:49**
